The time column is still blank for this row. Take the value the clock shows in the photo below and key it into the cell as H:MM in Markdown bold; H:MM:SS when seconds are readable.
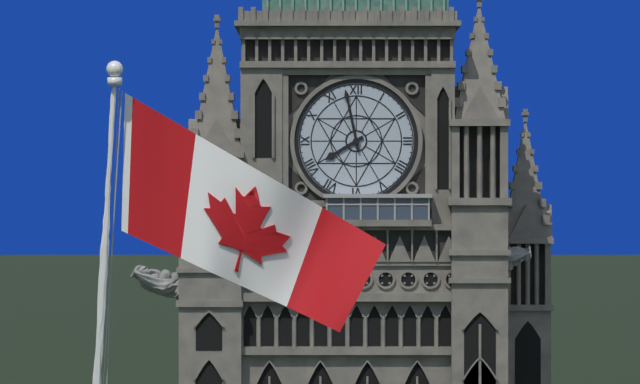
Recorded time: **7:58**
